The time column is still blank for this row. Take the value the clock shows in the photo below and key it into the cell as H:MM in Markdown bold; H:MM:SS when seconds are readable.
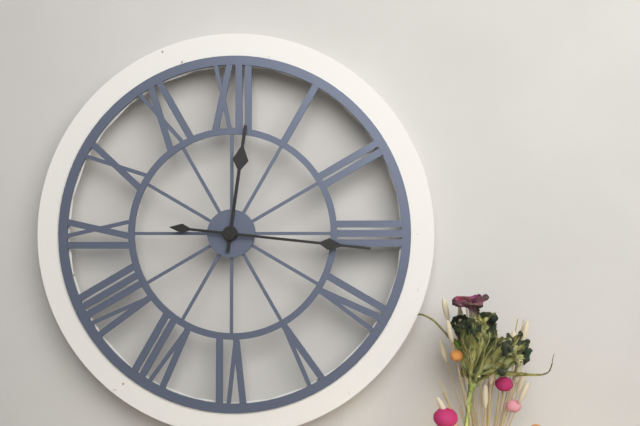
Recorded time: **12:16**
